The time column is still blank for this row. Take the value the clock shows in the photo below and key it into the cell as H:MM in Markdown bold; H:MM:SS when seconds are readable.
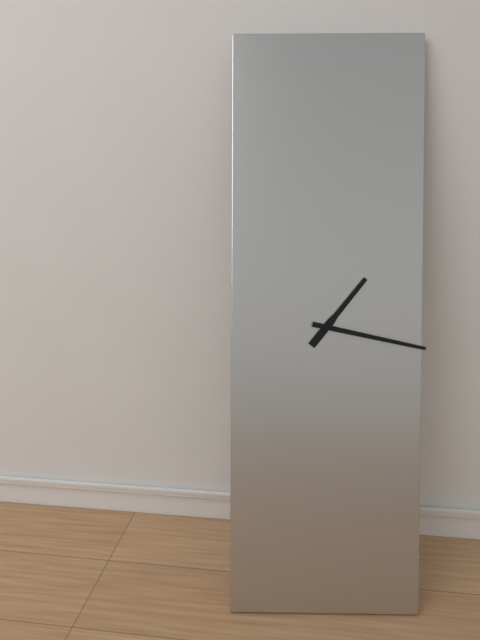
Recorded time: **1:17**
